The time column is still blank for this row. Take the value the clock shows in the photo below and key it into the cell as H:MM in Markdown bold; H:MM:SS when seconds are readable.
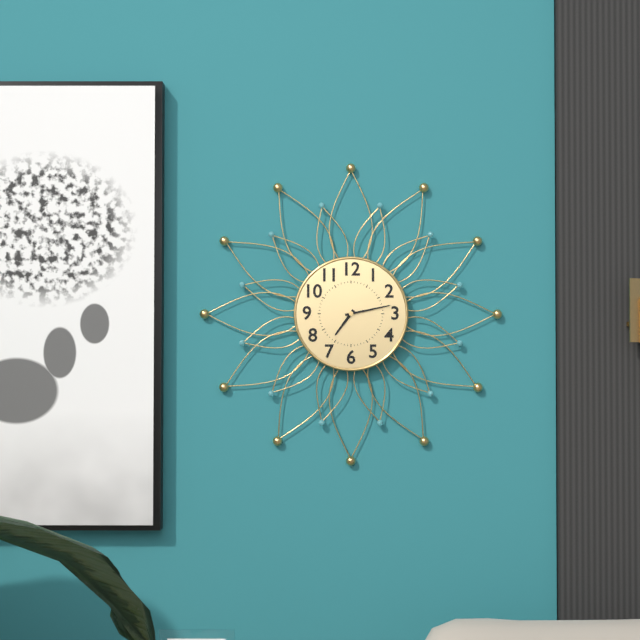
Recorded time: **7:13**
